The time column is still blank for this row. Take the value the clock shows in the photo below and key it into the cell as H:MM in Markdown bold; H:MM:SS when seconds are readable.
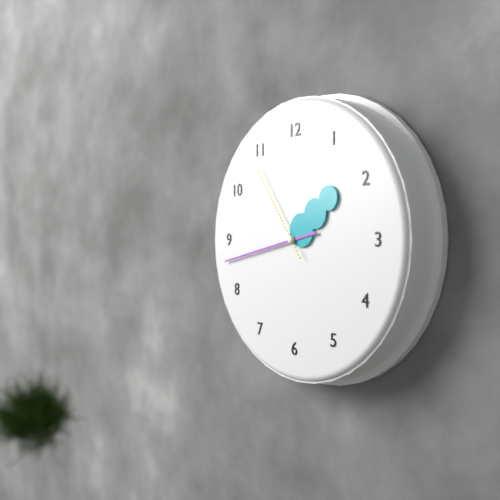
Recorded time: **1:43:54**
